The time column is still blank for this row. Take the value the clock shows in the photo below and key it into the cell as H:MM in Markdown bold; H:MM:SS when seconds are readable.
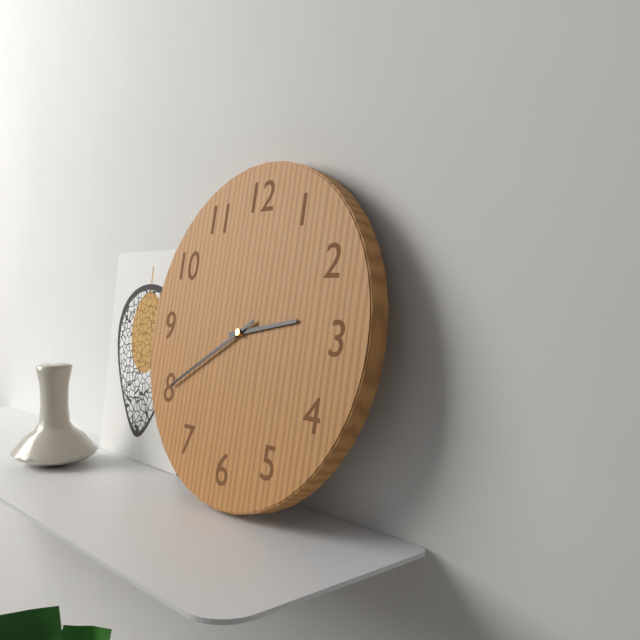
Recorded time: **2:40**
